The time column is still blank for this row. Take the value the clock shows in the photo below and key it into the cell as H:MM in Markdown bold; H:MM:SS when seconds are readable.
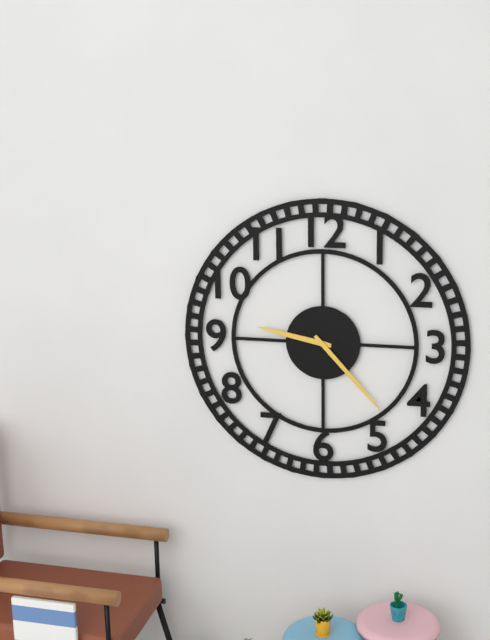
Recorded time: **9:23**
